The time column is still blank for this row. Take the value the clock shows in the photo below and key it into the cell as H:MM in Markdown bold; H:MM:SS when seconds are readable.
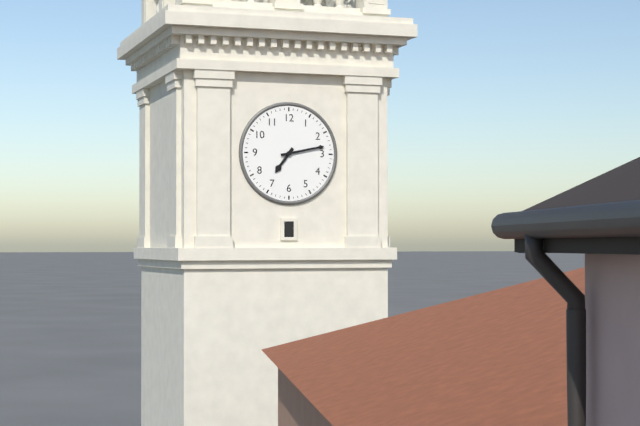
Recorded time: **7:13**
